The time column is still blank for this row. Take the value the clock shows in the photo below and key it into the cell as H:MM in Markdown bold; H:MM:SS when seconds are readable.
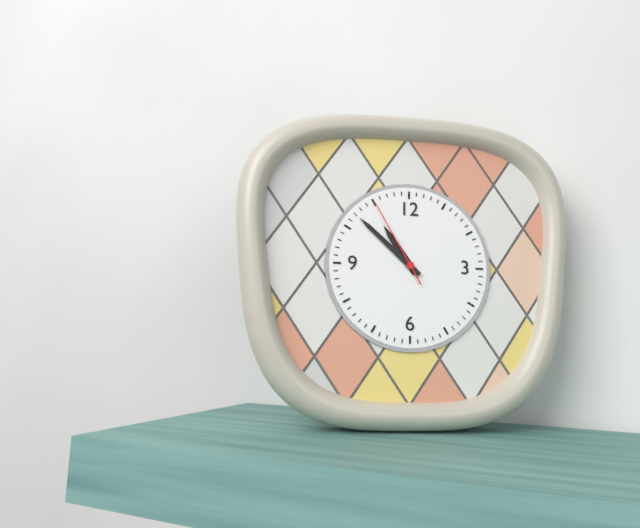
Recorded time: **10:52:55**
